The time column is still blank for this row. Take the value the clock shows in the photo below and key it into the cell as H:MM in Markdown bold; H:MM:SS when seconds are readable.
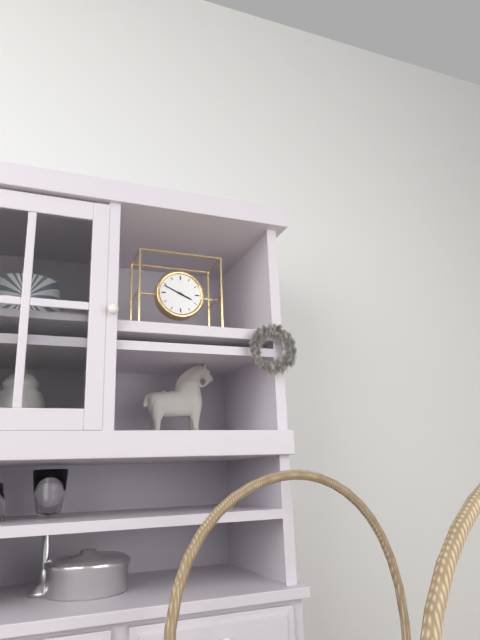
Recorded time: **3:49**
